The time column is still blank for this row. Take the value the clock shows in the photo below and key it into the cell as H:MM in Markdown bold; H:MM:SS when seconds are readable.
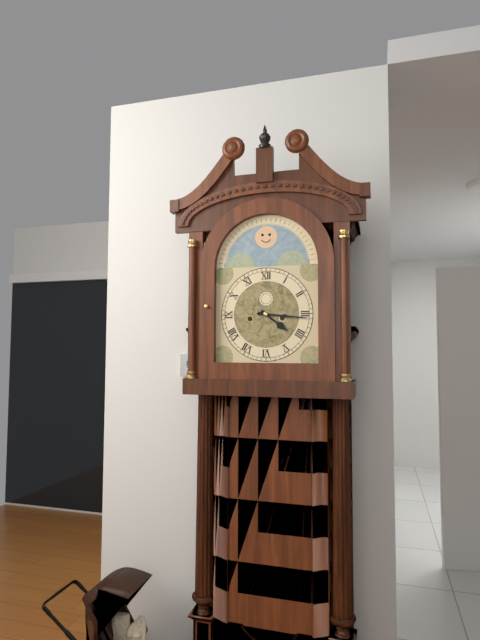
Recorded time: **4:16**
